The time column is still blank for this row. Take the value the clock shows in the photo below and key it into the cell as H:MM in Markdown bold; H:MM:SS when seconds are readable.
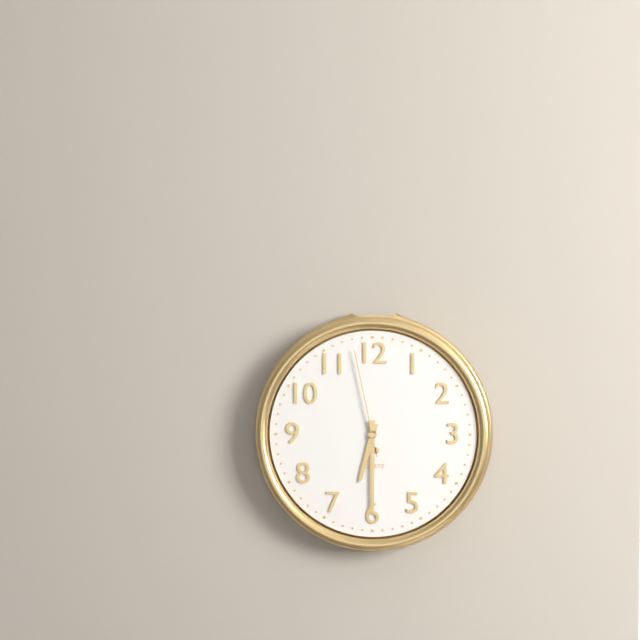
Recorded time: **6:30:58**
